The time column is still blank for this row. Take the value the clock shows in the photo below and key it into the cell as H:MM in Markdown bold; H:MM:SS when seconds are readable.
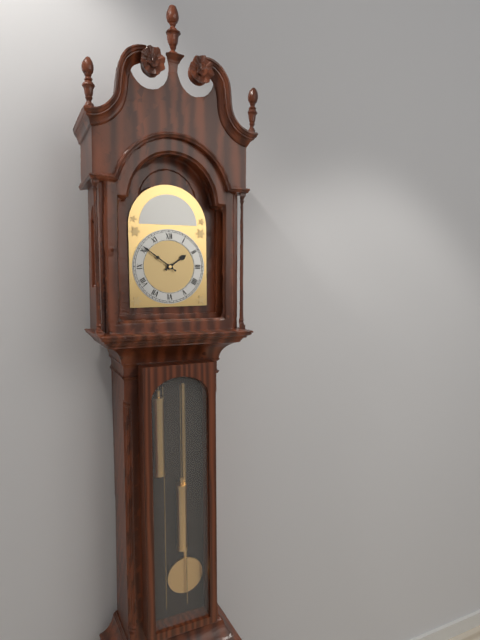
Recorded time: **1:51**
